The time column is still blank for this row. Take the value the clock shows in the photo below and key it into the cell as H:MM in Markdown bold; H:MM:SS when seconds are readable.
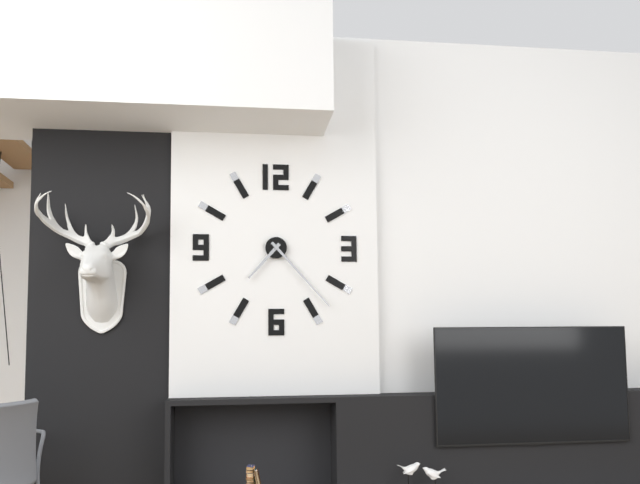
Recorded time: **7:23**
